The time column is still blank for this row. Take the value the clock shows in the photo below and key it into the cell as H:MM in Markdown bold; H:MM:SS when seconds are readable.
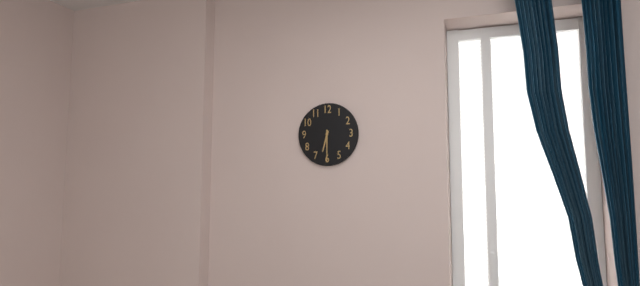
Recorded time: **6:30**
